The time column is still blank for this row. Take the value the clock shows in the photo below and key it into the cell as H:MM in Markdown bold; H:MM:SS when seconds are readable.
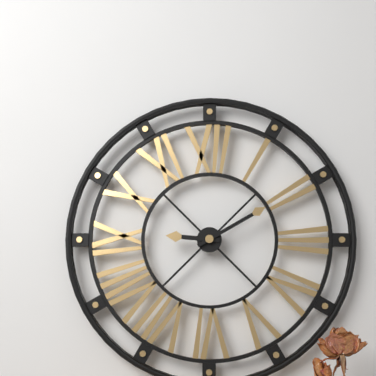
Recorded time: **9:10**
